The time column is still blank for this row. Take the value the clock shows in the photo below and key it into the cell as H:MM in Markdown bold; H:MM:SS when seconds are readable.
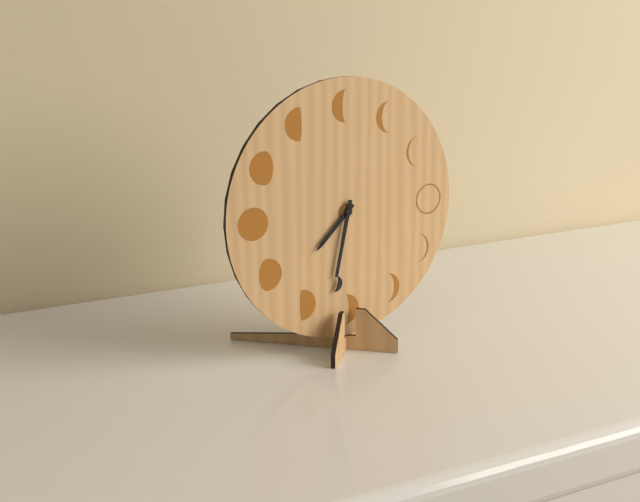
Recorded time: **7:32**
